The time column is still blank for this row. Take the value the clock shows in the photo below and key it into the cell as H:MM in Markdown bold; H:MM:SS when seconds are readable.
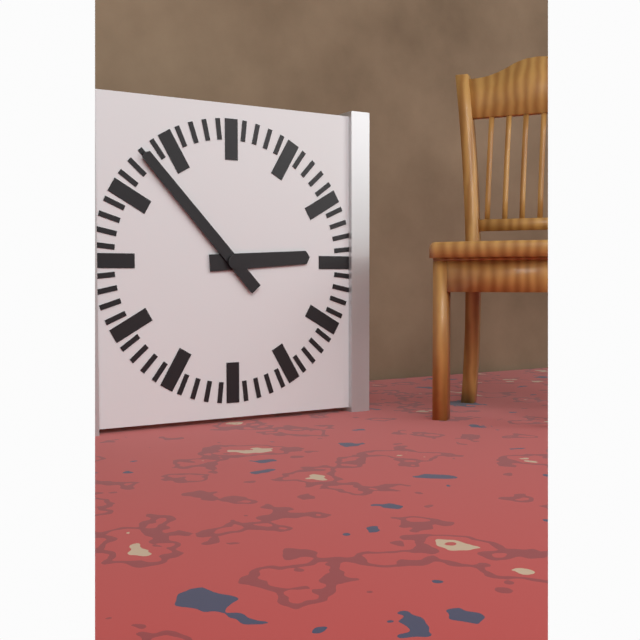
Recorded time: **2:53**
